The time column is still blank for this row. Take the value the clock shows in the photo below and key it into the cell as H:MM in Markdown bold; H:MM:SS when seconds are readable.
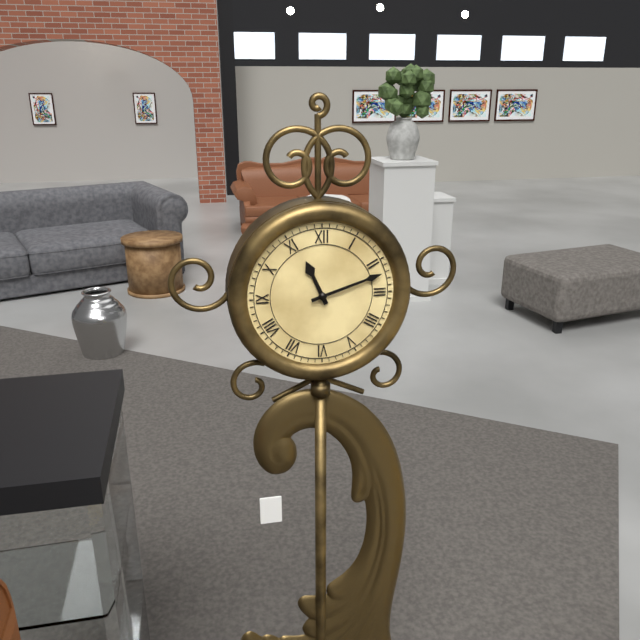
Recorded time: **11:12**
